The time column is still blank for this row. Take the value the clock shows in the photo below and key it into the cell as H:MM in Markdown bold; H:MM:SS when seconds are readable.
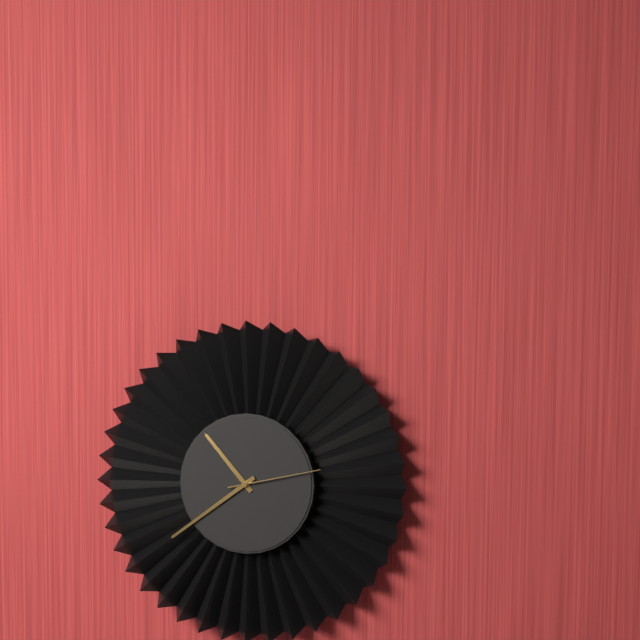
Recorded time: **10:39:13**
